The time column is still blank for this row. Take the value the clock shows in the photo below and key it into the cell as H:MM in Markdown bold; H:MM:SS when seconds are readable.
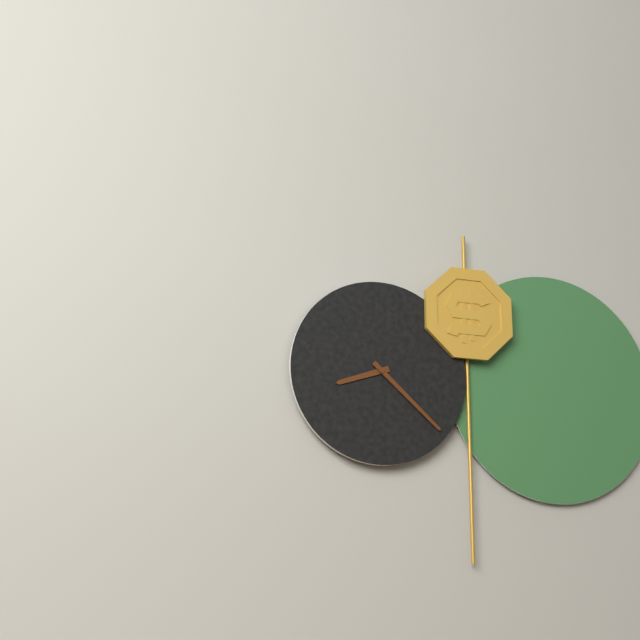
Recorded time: **8:22**
